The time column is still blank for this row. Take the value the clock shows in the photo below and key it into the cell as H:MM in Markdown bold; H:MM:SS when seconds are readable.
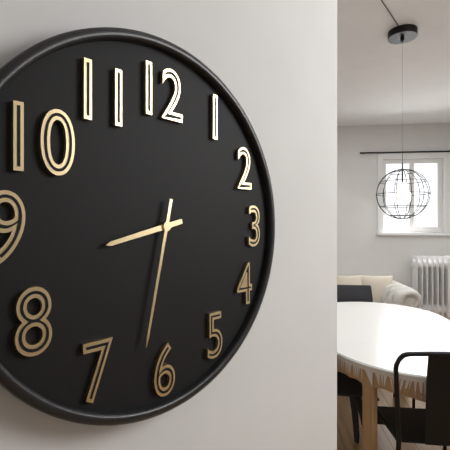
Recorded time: **8:32**
